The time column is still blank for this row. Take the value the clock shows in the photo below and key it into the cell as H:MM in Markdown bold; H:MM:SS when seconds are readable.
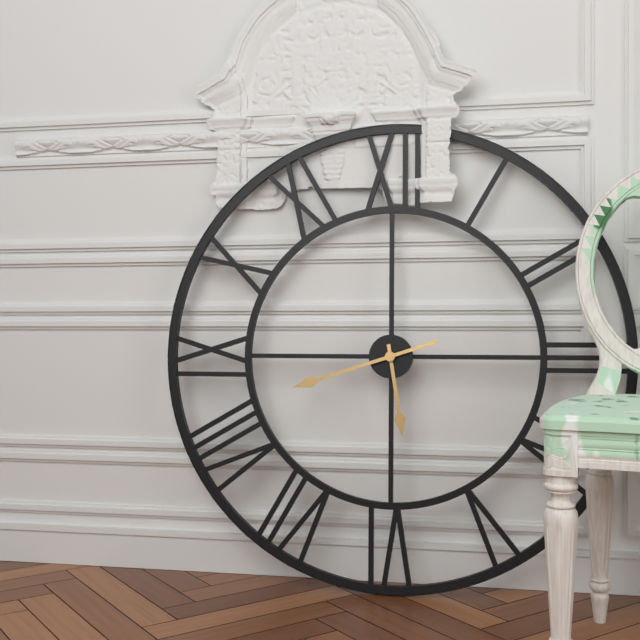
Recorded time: **5:42**
